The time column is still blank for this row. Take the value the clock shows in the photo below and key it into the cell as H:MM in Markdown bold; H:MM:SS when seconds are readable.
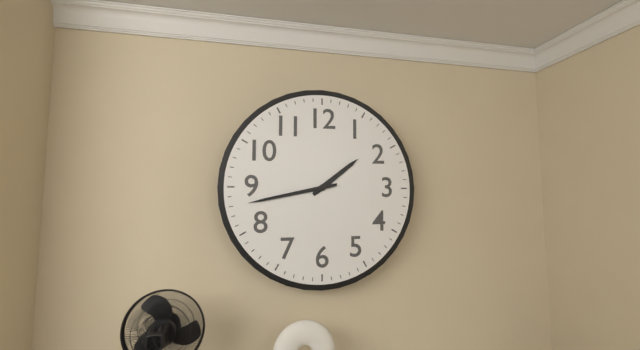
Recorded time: **1:43**
